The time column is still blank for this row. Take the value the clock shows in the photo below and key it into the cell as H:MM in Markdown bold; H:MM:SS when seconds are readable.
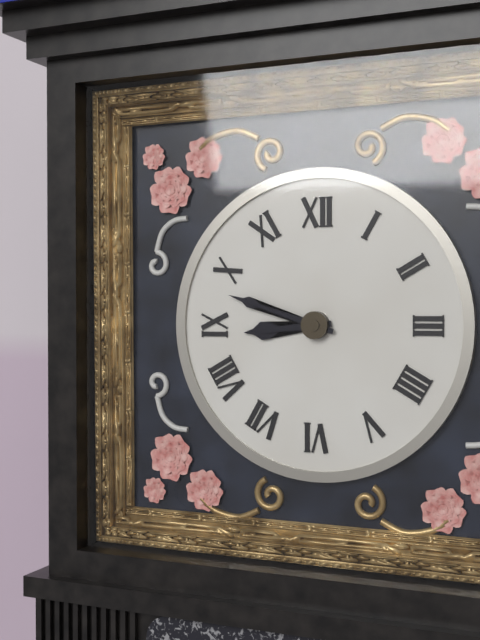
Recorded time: **8:48**
